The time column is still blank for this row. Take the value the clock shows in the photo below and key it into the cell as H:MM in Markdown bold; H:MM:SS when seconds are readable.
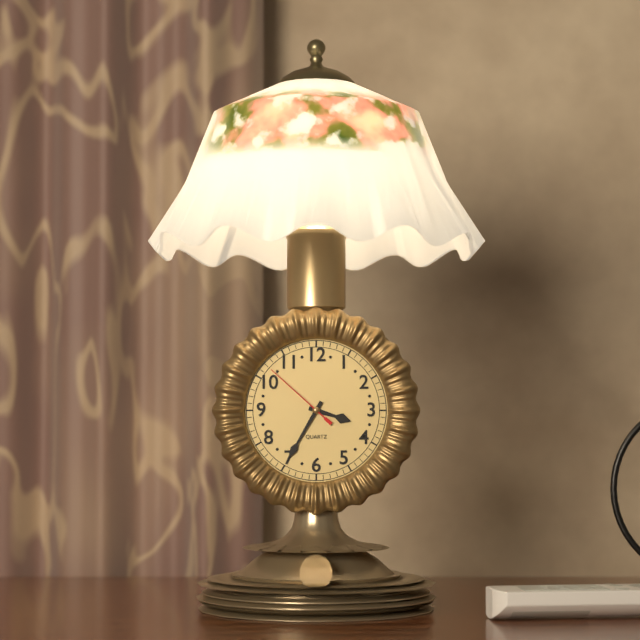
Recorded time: **3:35:52**
